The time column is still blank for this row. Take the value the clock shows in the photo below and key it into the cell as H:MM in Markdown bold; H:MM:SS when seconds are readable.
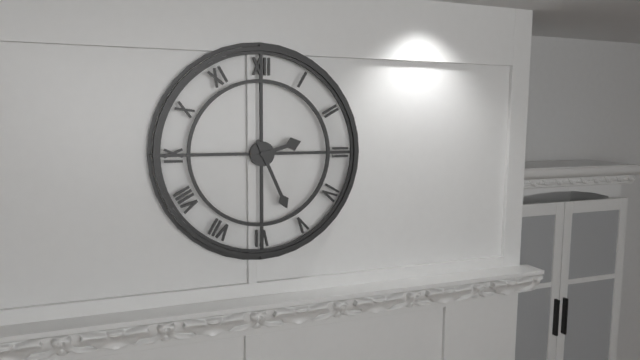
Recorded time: **2:26**
